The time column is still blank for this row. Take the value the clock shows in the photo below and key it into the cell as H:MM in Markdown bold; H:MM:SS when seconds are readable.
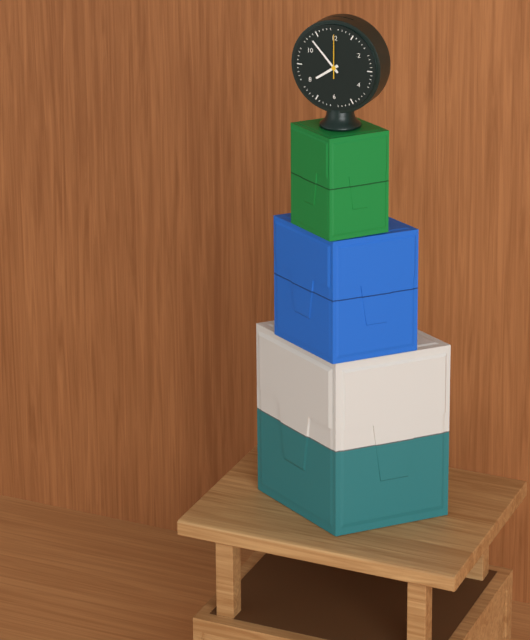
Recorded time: **7:53**
